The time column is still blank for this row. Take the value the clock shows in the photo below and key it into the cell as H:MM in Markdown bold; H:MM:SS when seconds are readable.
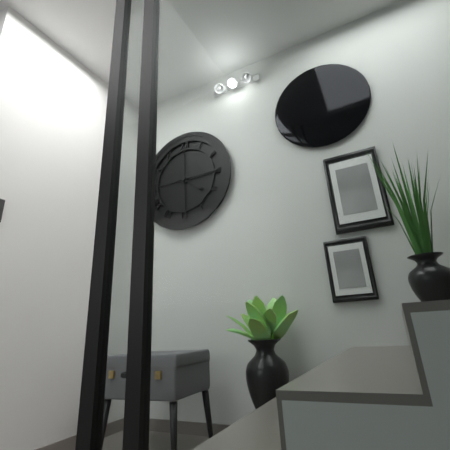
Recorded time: **4:15**
